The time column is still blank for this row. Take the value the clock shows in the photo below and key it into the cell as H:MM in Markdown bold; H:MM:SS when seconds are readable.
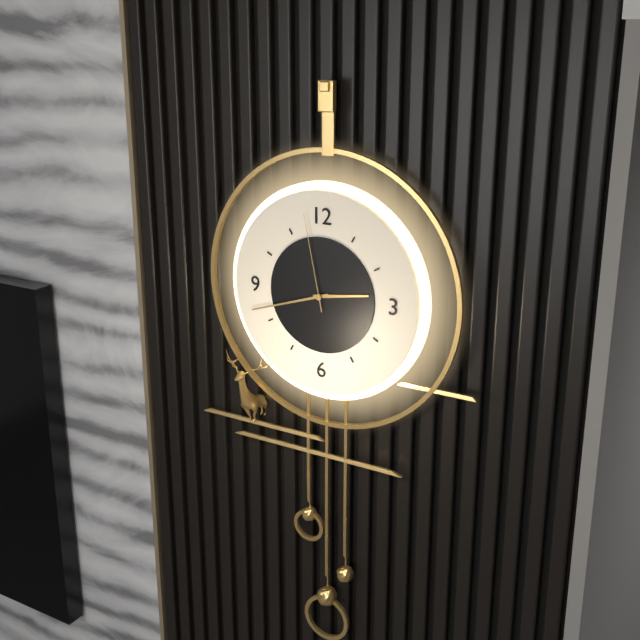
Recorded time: **2:42:58**
